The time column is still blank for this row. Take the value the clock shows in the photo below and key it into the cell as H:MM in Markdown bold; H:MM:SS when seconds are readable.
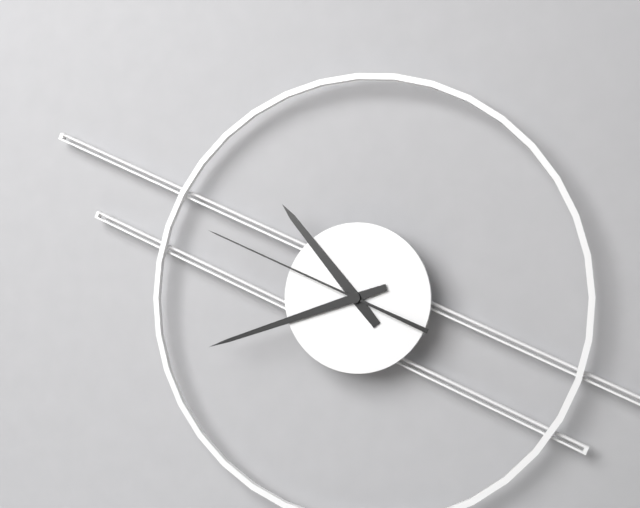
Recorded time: **10:42:49**
